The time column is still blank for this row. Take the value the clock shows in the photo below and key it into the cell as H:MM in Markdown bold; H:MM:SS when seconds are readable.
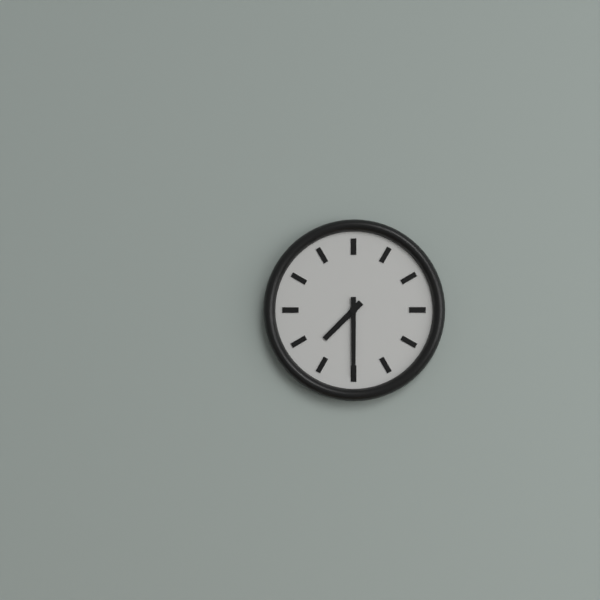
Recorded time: **7:30**
